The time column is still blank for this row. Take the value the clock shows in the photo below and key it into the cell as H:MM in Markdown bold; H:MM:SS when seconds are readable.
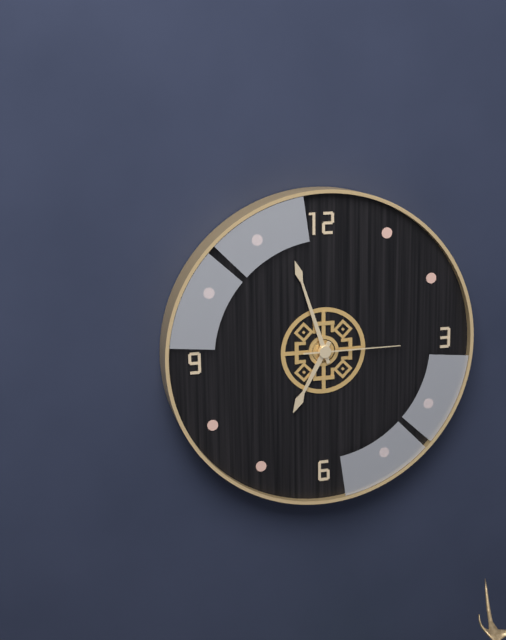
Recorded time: **6:57:15**
